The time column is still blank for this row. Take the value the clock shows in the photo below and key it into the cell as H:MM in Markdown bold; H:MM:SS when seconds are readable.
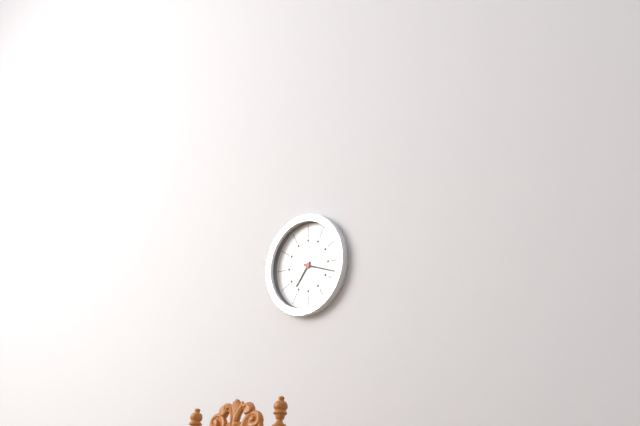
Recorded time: **7:18**
